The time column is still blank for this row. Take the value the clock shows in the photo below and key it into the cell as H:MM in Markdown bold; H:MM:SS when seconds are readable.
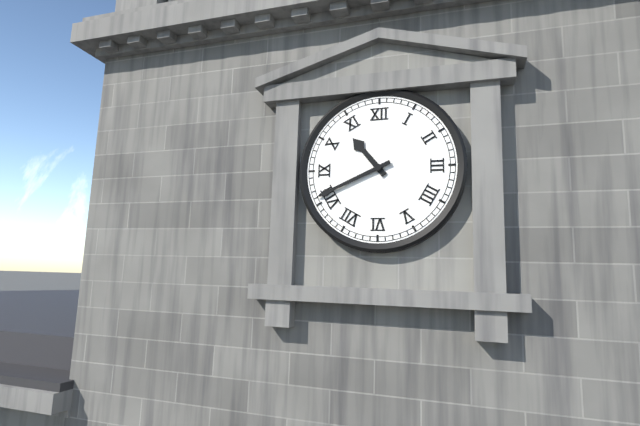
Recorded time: **10:41**
